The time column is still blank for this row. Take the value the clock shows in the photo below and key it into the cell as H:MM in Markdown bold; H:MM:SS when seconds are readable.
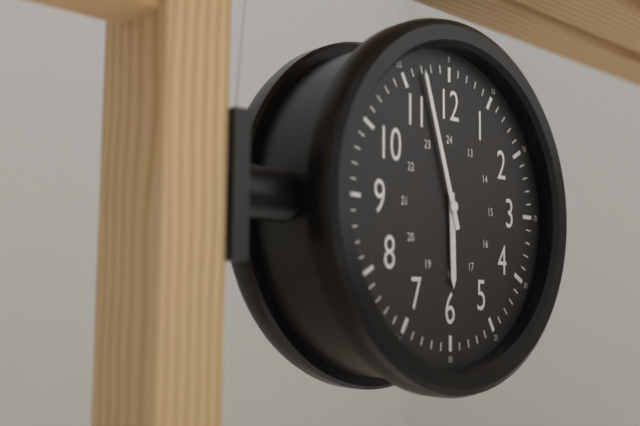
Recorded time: **5:57**
